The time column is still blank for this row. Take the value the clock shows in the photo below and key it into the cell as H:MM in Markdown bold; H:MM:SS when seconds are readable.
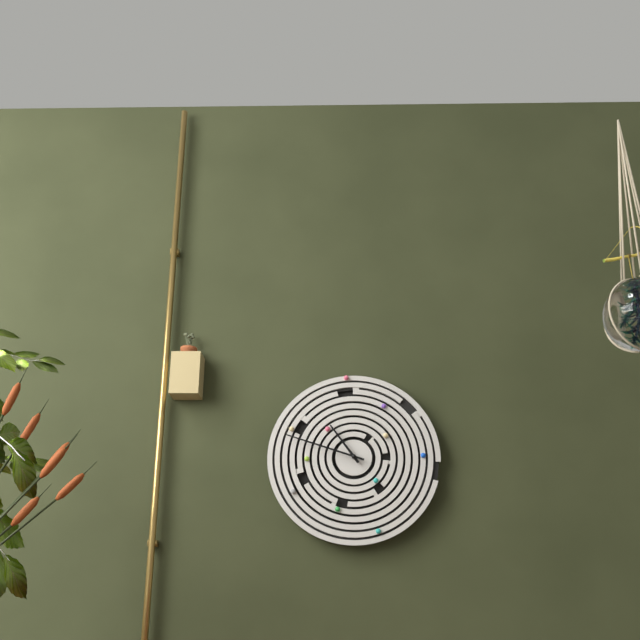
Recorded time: **10:48**
